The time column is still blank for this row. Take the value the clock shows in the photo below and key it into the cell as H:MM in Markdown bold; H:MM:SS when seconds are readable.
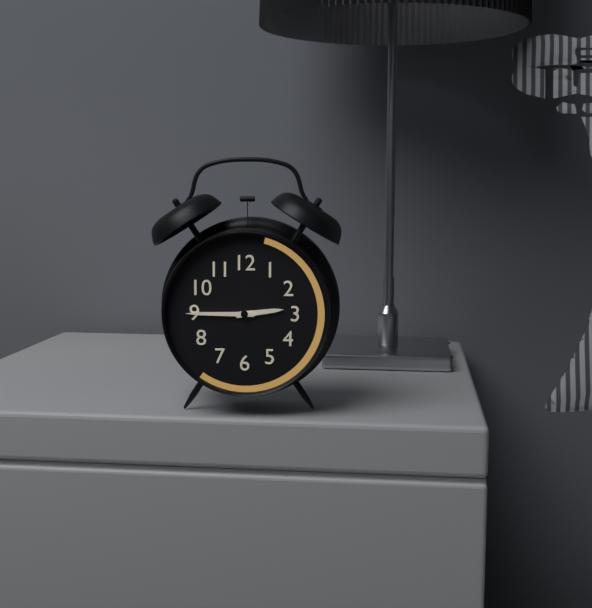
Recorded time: **2:45**
